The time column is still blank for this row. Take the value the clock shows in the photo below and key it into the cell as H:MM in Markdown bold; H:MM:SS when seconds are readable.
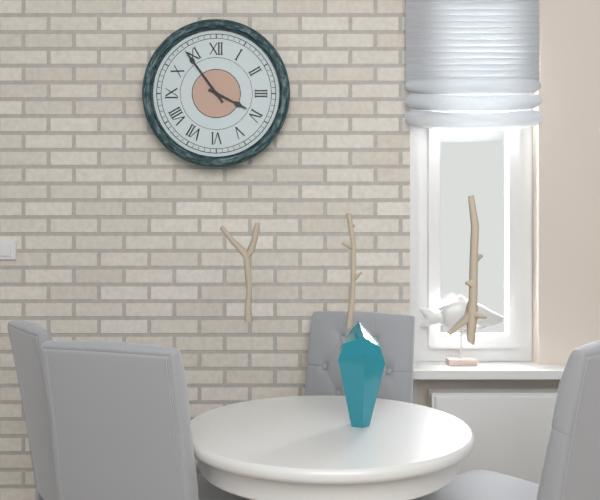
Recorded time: **3:54**
